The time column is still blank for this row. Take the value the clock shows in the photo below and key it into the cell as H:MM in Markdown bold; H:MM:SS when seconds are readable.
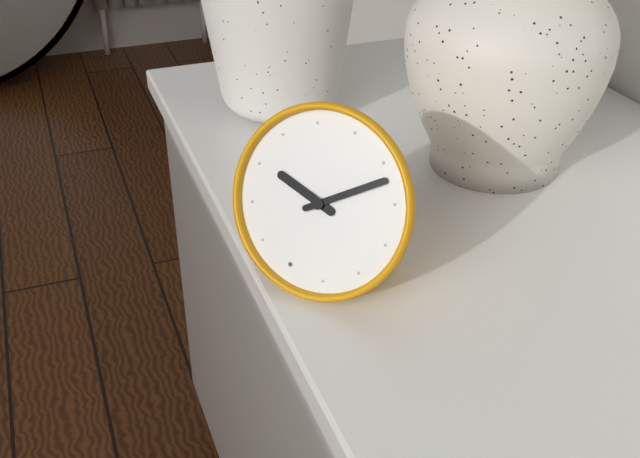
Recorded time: **9:07**
